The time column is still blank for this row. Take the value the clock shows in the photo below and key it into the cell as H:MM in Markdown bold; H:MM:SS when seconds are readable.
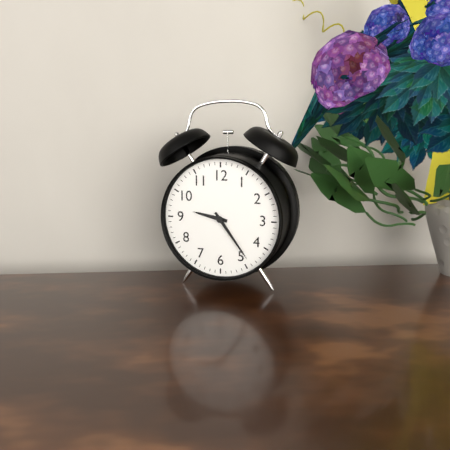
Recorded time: **9:24**
